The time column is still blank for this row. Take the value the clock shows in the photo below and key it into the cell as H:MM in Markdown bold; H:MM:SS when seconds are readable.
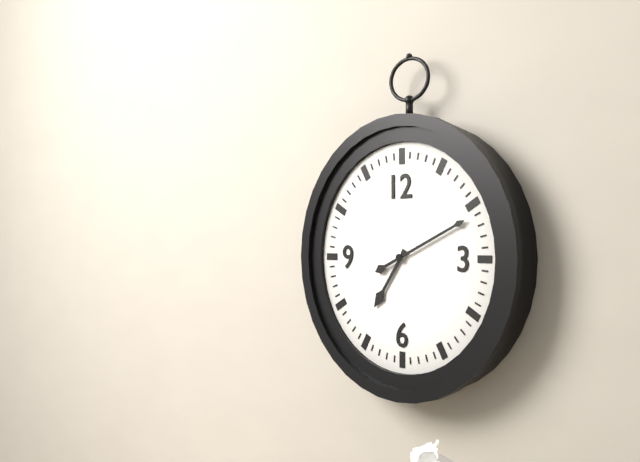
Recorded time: **7:11**
